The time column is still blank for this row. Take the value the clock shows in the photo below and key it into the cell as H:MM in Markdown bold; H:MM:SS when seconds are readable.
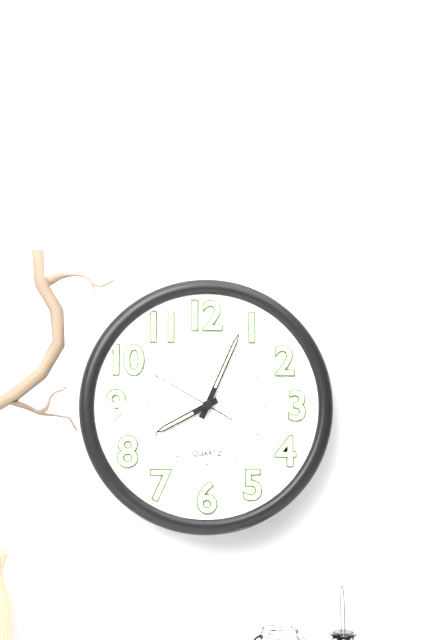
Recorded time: **8:04:50**
